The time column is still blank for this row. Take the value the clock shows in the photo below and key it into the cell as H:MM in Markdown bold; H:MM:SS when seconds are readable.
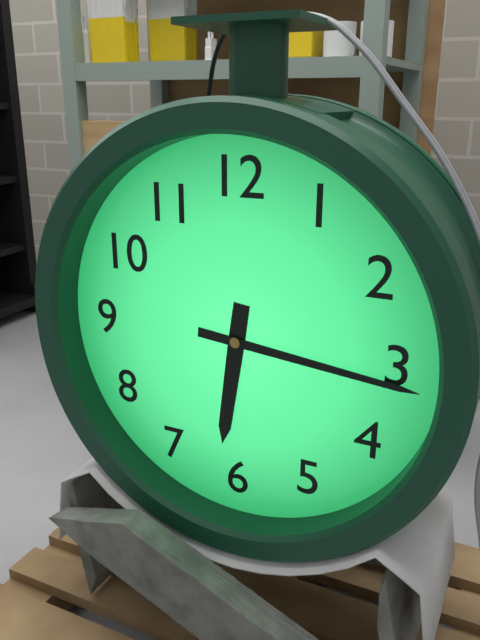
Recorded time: **6:16**
